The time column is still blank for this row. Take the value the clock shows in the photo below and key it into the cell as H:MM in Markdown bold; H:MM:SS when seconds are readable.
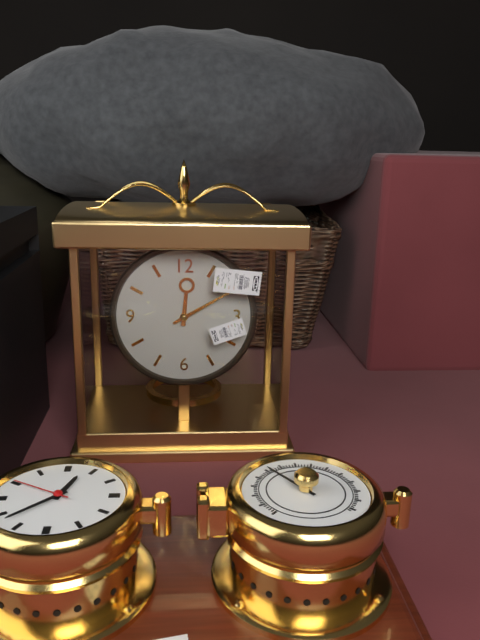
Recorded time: **12:10**
